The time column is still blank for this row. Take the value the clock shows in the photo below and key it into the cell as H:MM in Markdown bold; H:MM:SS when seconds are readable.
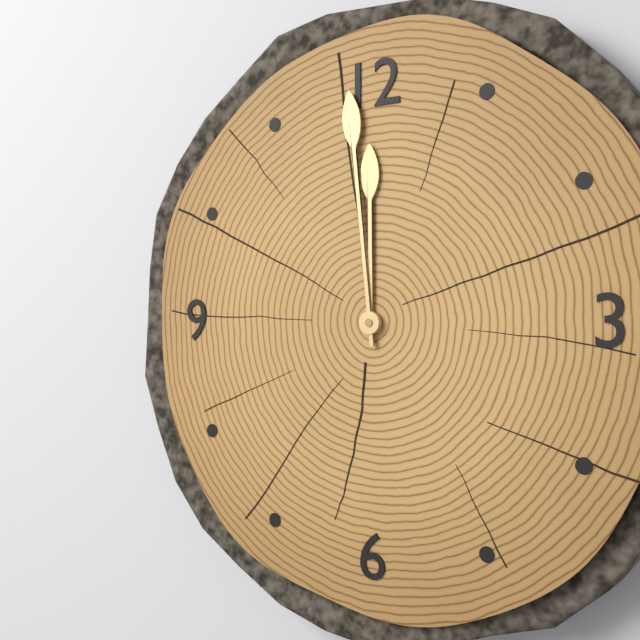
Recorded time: **11:59**
